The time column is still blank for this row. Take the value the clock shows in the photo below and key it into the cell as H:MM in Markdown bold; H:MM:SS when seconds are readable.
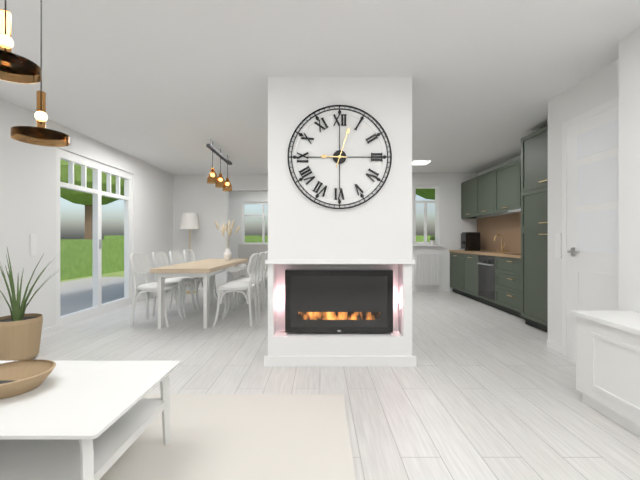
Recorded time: **9:03**
